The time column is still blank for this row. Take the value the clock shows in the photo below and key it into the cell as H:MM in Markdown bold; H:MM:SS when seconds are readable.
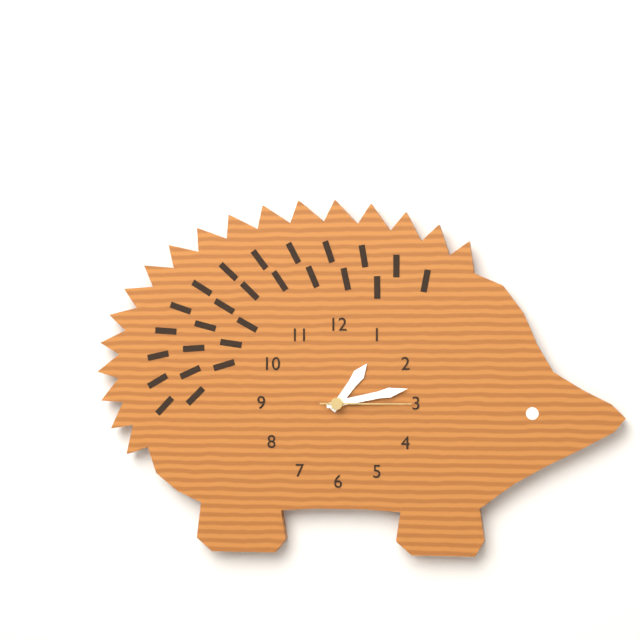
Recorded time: **1:13:15**
